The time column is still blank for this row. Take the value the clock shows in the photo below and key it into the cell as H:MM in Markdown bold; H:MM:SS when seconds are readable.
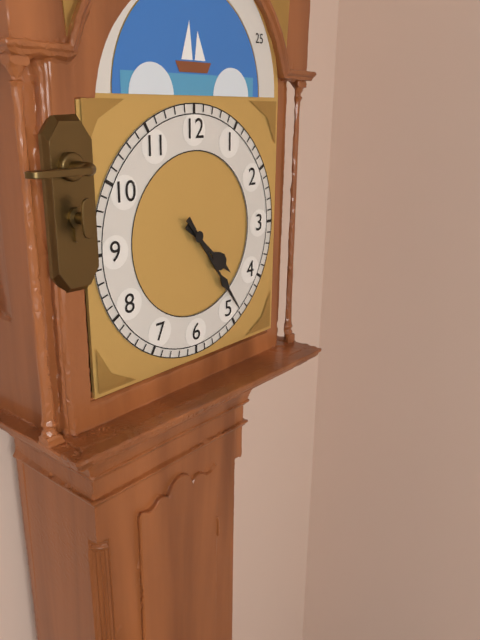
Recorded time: **4:24**
